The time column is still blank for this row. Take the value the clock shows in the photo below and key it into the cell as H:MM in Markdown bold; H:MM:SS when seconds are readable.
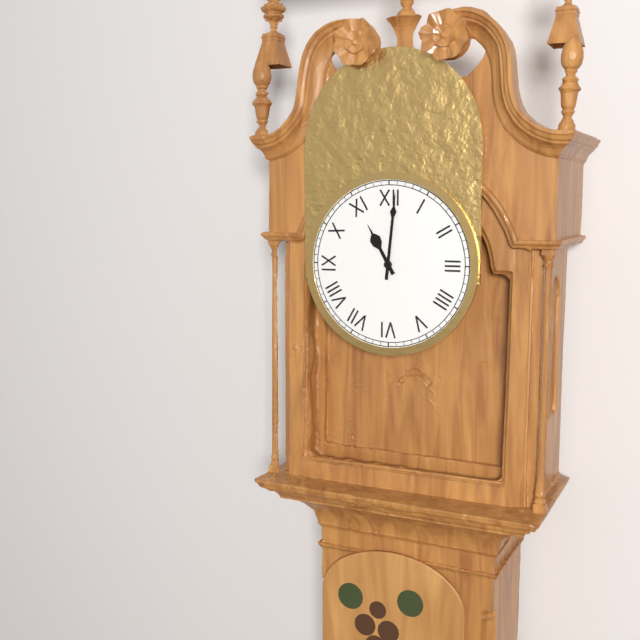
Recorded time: **11:01**
